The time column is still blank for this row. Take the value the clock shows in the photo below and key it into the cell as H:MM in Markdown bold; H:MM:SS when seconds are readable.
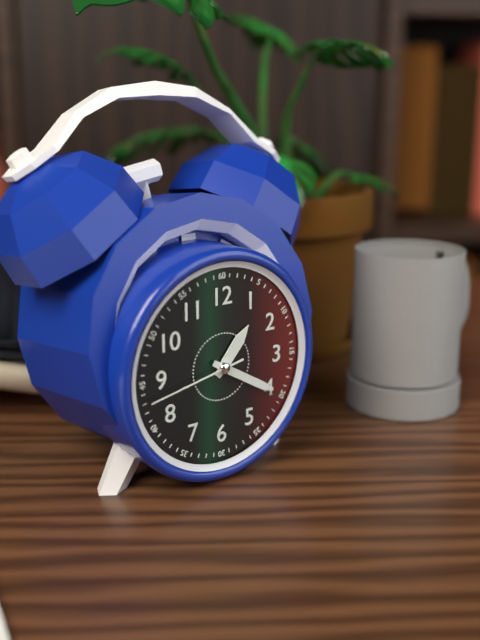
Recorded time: **1:20:43**
